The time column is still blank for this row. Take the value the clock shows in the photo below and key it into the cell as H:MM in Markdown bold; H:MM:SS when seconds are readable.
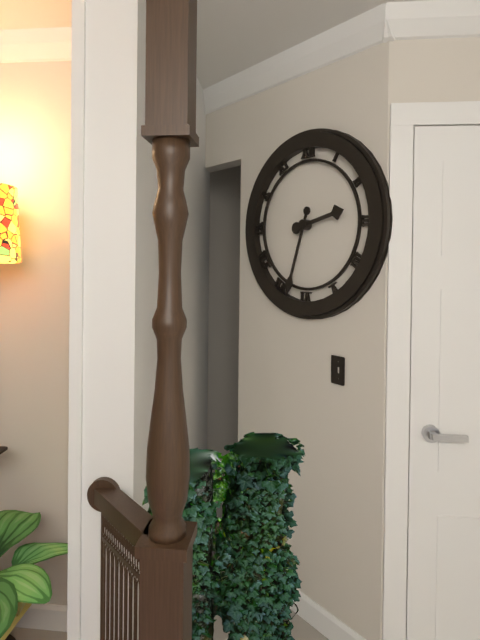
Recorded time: **2:33**
